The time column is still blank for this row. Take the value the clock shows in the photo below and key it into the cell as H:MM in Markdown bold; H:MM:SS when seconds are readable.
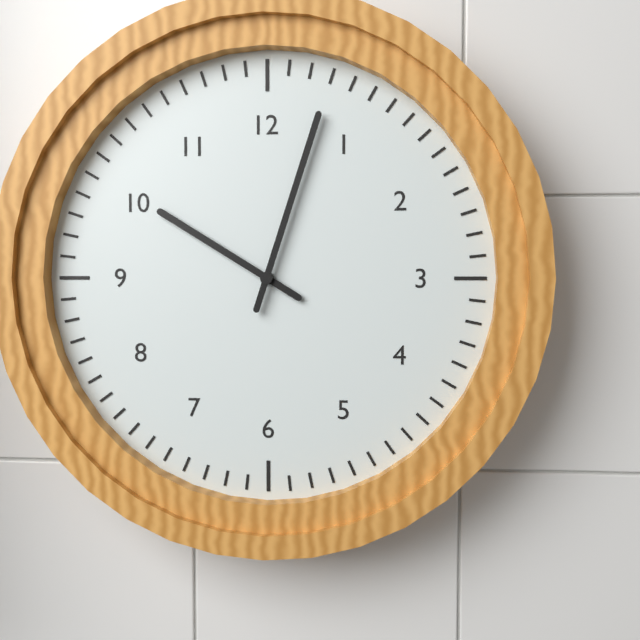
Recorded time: **10:03**
